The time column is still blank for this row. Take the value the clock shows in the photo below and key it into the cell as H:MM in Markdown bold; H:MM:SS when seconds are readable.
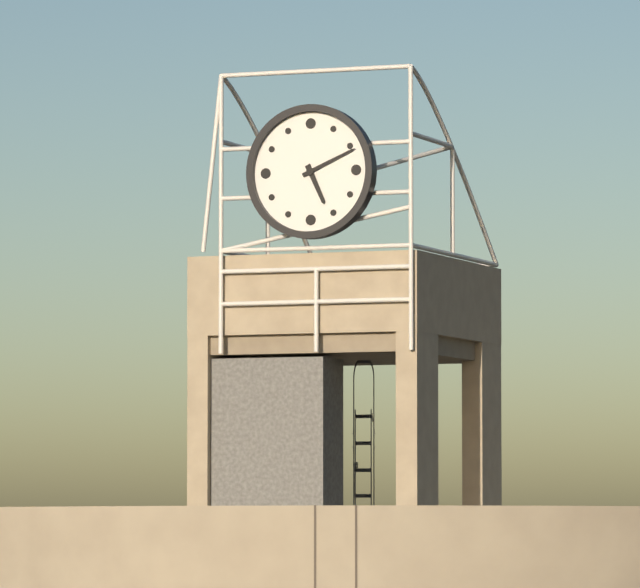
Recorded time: **5:11**
